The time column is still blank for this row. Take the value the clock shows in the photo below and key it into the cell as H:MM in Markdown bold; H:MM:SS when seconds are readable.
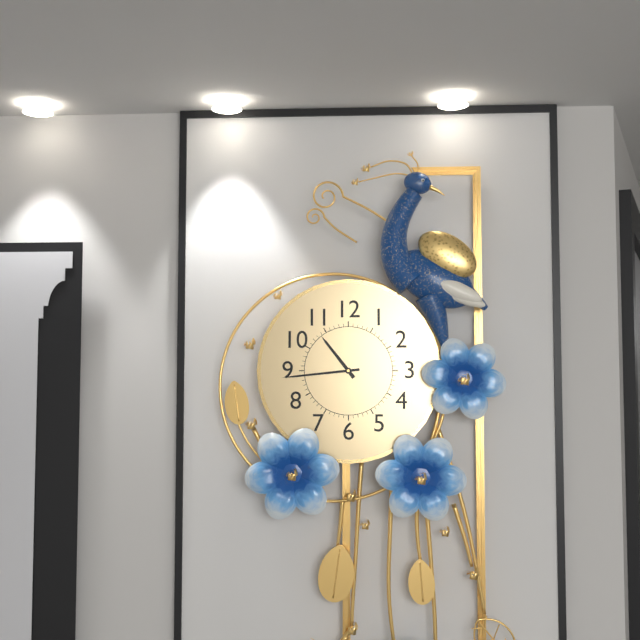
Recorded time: **10:44**
